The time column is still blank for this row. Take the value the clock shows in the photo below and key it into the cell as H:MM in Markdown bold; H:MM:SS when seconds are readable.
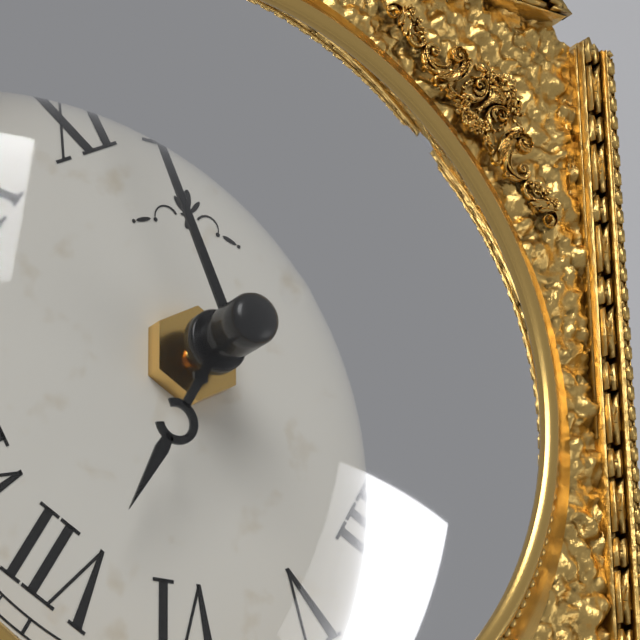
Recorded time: **6:56**
